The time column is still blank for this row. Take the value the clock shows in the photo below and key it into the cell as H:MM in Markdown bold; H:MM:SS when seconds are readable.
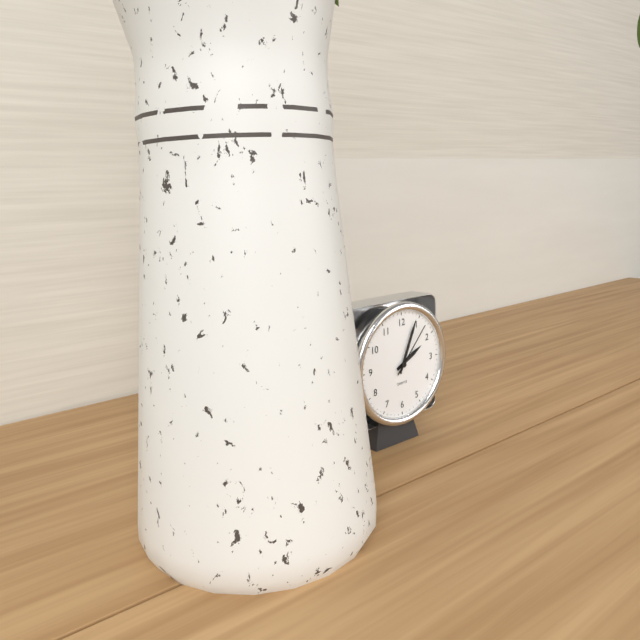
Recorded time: **2:04:07**
